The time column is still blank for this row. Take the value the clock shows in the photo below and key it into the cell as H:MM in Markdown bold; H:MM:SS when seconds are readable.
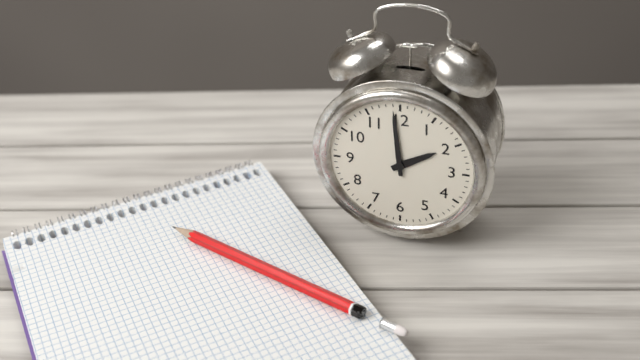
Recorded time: **1:59**
